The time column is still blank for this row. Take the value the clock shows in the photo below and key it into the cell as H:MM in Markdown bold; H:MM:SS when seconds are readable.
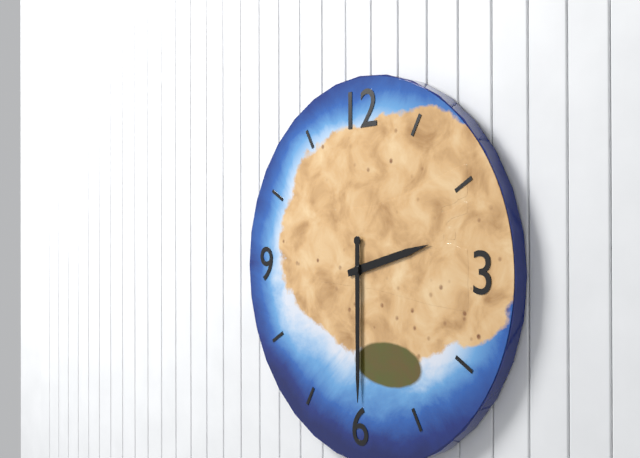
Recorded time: **2:30**
